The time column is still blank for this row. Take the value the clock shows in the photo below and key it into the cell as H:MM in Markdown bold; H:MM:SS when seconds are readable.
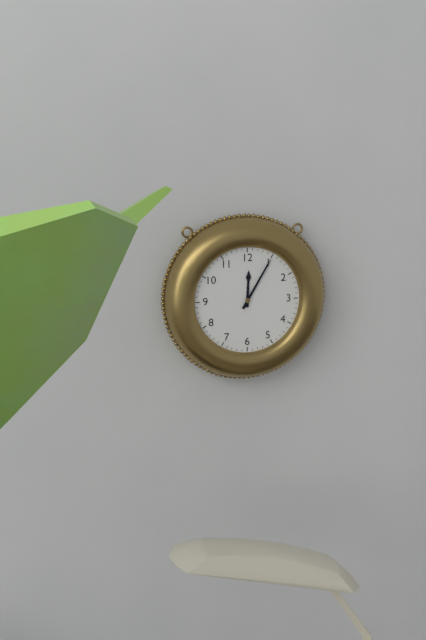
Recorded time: **12:05**
